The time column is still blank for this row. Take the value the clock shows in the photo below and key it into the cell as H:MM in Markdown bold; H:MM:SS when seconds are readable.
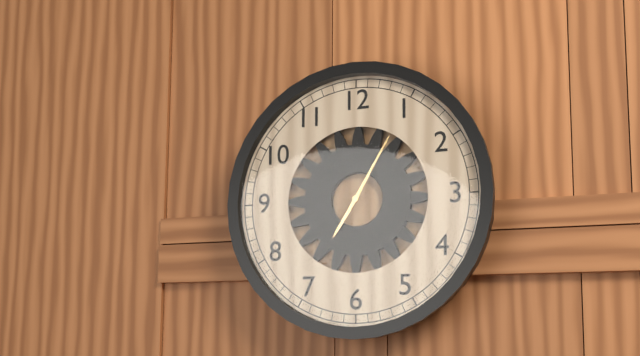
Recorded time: **7:05**
